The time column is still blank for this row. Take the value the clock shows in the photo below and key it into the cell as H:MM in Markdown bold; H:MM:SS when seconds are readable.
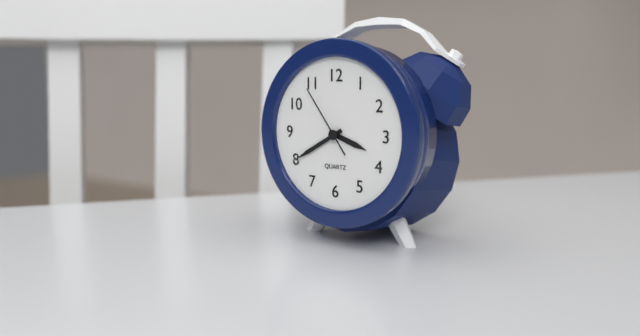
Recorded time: **3:40:54**
